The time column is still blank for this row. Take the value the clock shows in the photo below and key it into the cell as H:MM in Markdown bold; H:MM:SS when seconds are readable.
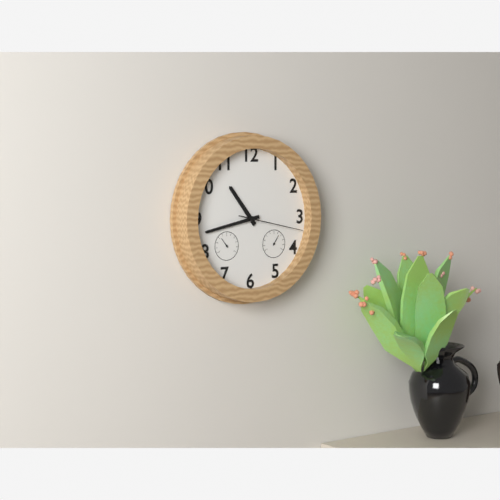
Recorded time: **10:43:17**
